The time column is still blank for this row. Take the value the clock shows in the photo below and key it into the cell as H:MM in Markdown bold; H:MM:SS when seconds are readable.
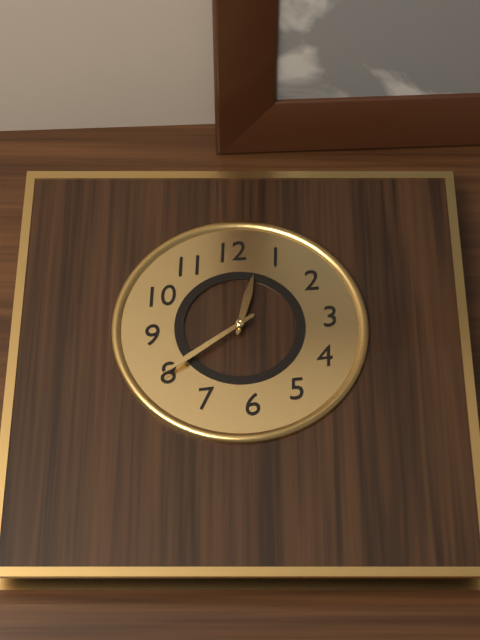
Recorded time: **12:40**
